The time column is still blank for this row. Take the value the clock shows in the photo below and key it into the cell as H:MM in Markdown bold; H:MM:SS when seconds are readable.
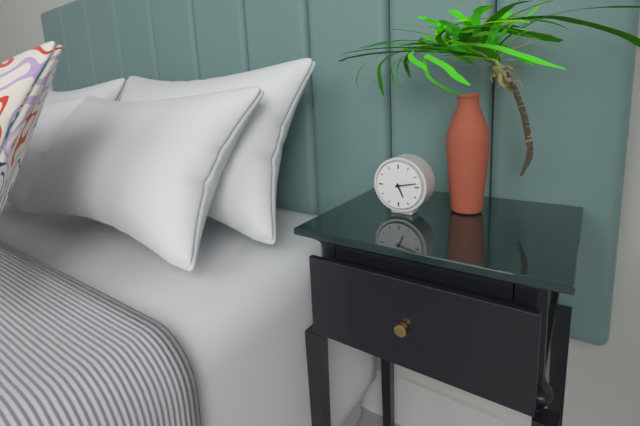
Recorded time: **5:13**
